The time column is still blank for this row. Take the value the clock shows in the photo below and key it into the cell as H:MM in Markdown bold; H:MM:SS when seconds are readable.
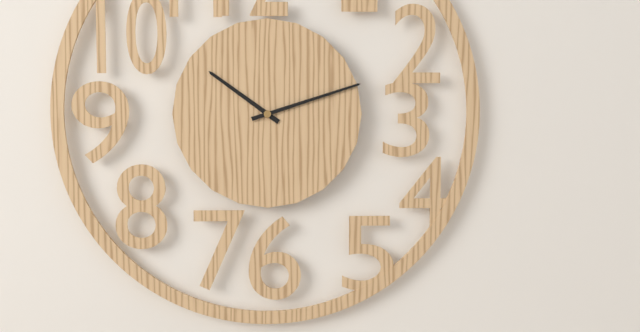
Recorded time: **10:12**
